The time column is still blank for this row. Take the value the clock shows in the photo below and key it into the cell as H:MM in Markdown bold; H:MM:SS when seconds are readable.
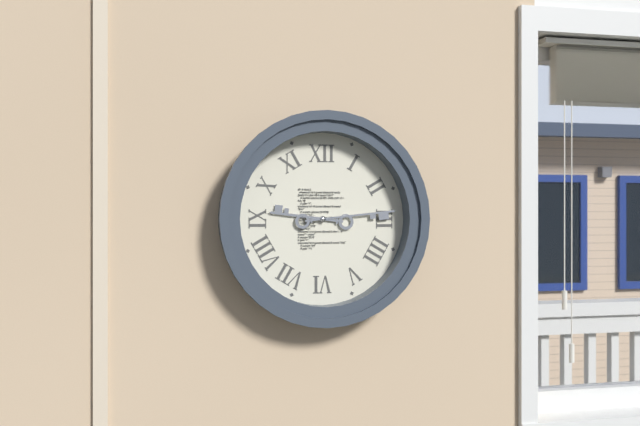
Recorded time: **9:14**
